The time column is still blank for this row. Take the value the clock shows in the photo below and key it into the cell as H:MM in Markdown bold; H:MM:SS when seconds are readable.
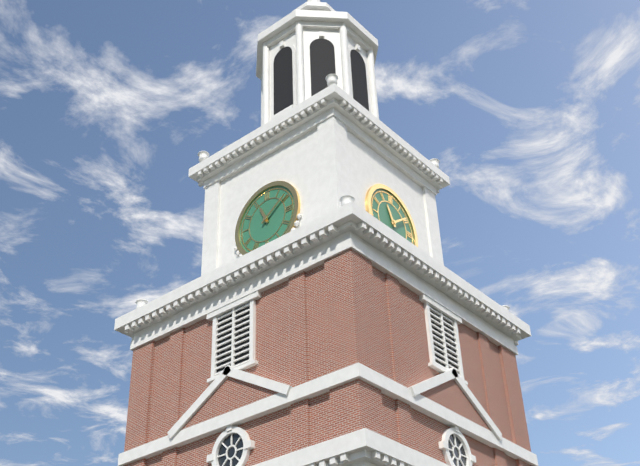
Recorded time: **11:09**
